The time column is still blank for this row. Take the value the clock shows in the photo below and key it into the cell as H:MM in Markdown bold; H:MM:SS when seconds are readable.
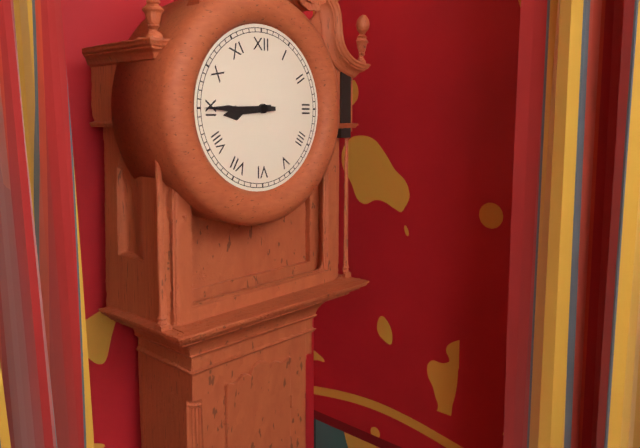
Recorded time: **8:45**
